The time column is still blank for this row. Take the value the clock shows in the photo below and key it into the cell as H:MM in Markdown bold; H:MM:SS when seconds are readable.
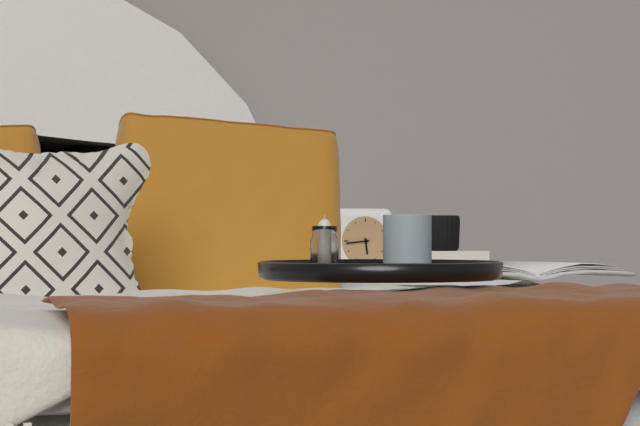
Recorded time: **5:44**
